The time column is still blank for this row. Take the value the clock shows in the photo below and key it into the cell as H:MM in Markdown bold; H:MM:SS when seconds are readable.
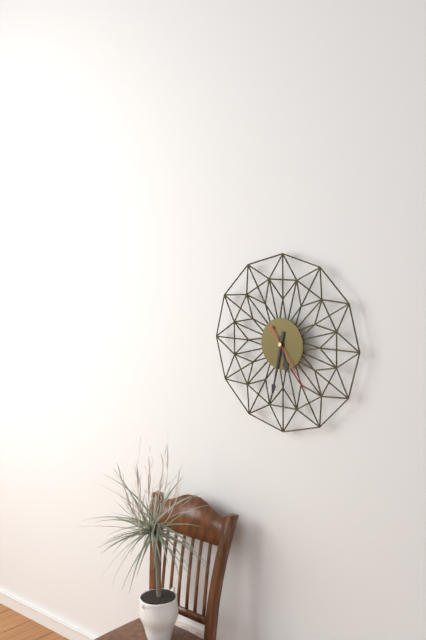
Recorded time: **5:32:24**
